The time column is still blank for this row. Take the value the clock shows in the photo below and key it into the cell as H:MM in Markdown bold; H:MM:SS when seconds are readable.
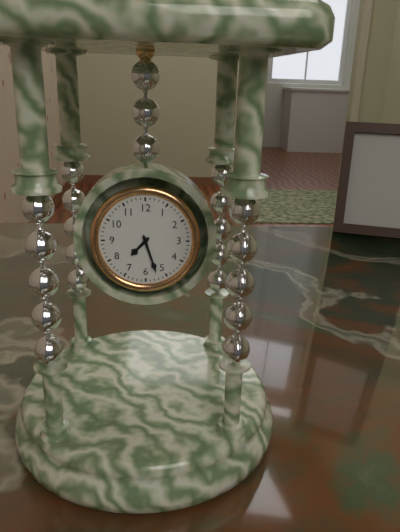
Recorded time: **7:27**
